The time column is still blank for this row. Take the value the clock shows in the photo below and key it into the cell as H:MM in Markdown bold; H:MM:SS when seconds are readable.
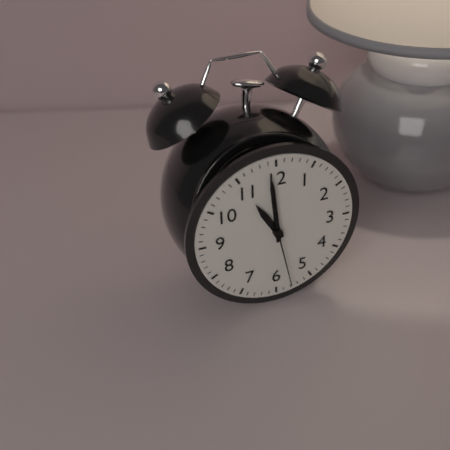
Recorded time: **10:59:28**
